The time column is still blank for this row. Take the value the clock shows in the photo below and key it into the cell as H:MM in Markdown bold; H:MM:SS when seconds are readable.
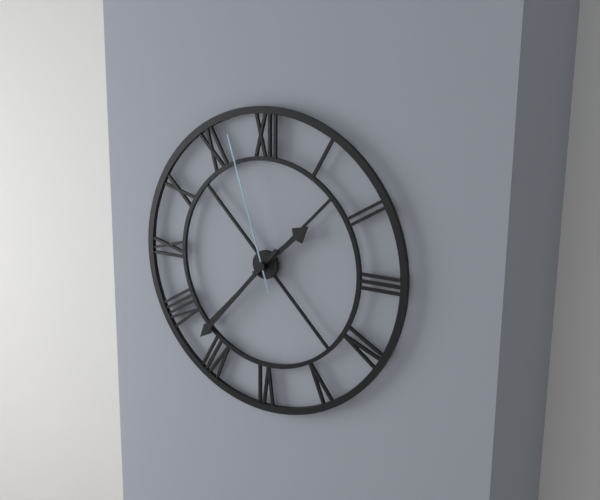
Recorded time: **1:37:57**
